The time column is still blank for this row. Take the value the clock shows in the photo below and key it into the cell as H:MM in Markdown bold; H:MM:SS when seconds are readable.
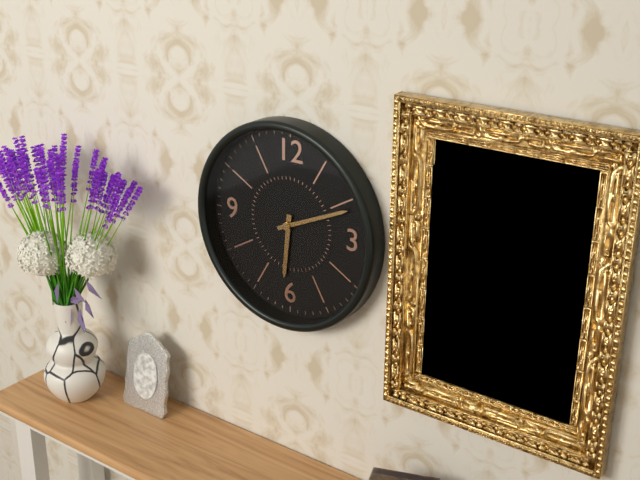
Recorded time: **6:11**
